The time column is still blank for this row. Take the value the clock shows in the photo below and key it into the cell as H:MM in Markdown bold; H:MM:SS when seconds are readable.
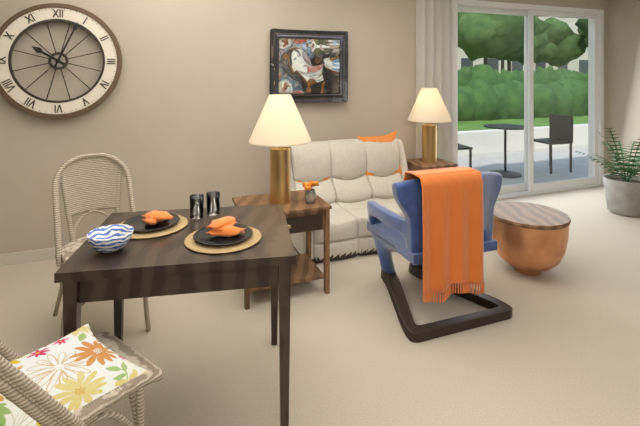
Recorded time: **10:04**
